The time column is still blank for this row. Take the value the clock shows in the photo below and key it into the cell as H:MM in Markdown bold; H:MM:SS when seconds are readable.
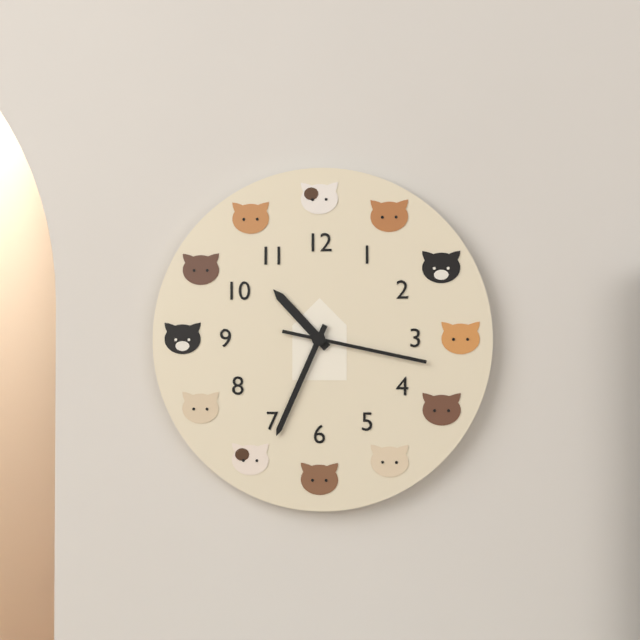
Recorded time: **10:34:17**
